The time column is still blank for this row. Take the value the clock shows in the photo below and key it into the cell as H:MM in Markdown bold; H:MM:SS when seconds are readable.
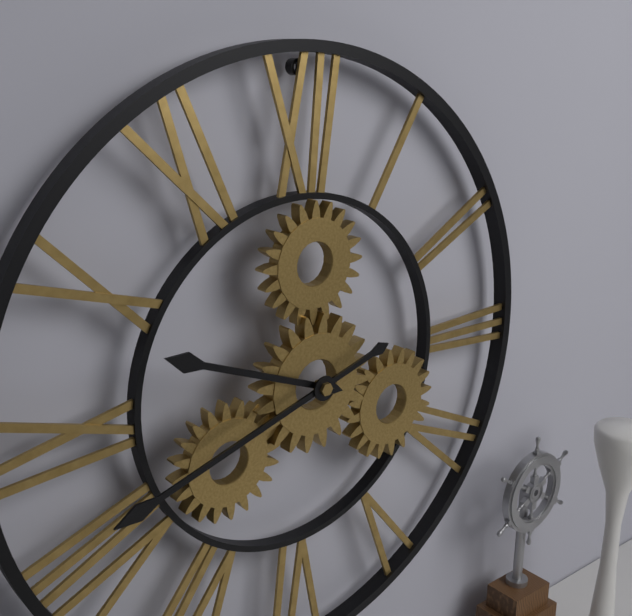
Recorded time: **9:42**
